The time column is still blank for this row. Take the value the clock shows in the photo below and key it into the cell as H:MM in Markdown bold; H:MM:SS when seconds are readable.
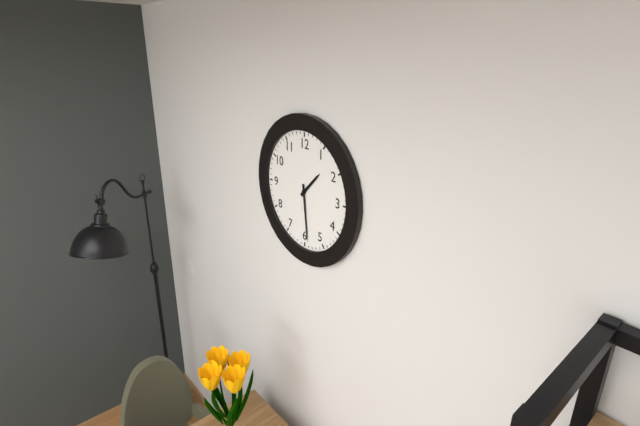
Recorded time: **1:29**
